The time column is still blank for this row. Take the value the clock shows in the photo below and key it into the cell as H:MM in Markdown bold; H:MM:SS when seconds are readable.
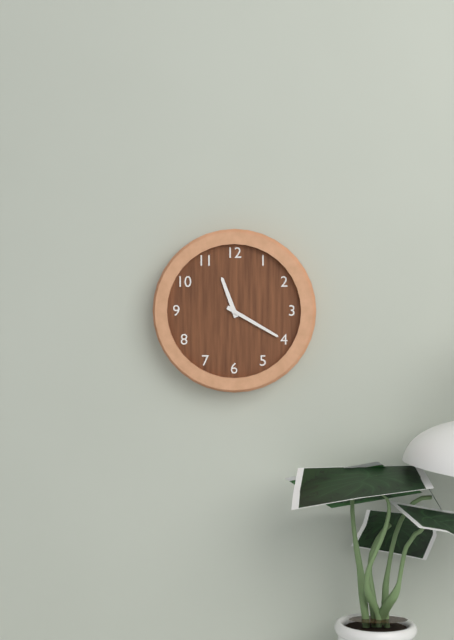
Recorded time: **11:20**
